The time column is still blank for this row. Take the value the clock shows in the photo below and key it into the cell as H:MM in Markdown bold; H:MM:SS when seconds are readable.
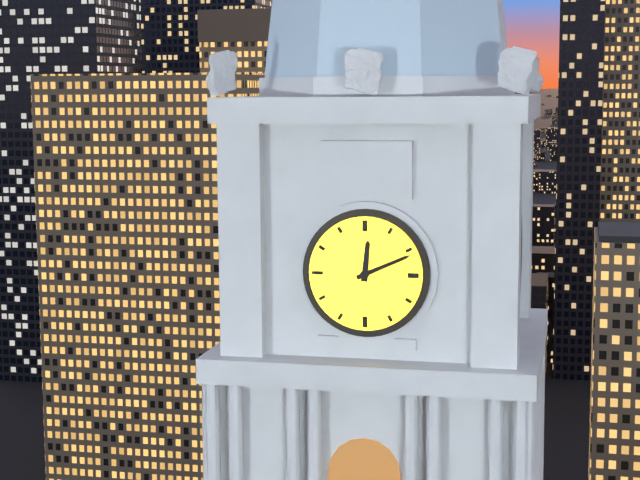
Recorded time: **12:11**
